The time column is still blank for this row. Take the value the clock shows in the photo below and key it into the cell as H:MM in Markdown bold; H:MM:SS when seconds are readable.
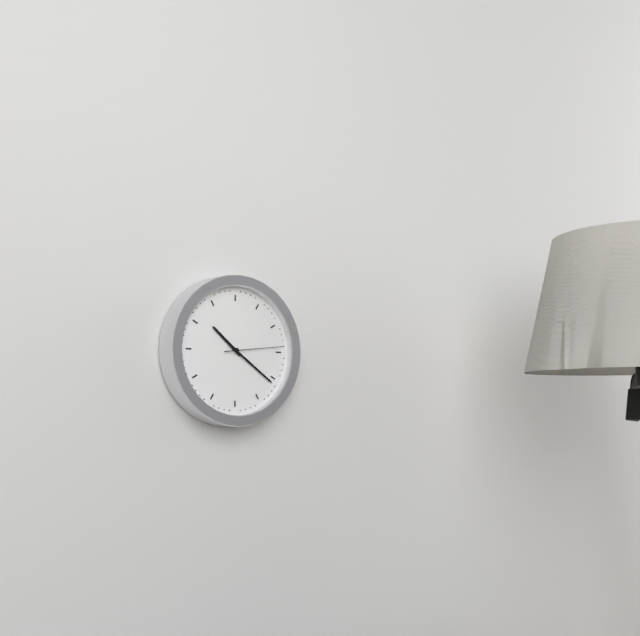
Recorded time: **10:21:14**
